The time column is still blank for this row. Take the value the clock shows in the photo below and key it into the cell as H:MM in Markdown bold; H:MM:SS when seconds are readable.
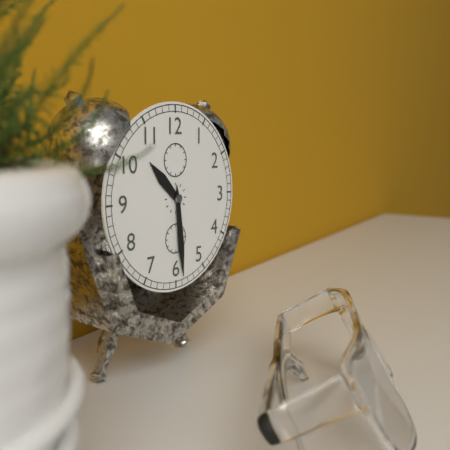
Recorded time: **10:29**
